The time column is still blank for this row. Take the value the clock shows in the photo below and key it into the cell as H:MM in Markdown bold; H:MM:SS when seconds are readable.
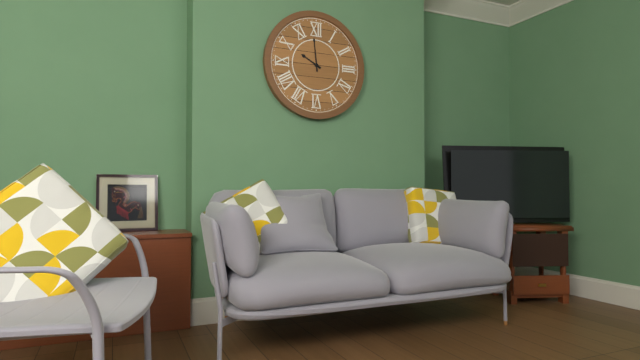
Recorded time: **9:59**
